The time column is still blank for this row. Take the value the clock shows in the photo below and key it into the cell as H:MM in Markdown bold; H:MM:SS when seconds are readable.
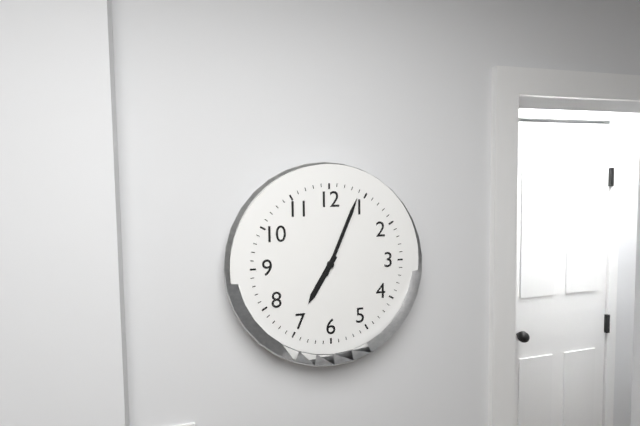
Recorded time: **7:04**
